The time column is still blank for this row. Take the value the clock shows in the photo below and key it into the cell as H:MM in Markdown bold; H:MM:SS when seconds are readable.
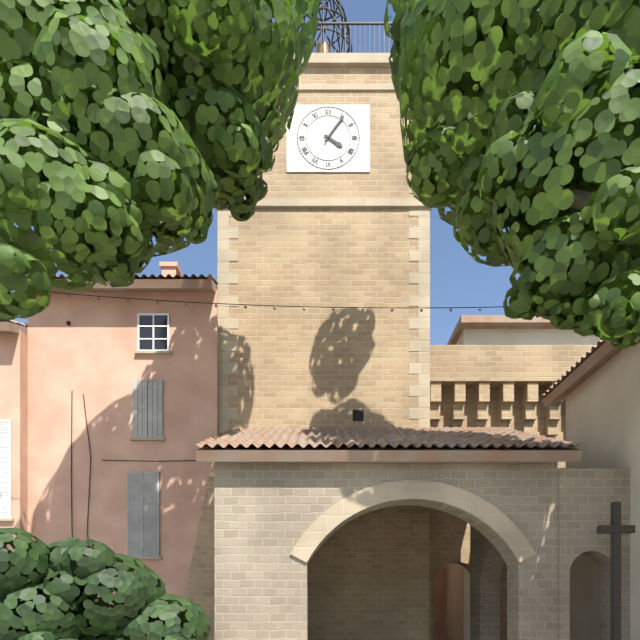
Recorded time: **4:06**
